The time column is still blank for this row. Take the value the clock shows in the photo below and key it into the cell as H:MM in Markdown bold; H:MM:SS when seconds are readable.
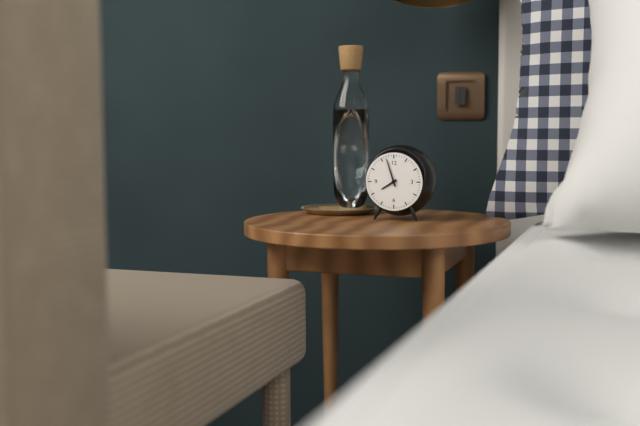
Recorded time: **7:57**
